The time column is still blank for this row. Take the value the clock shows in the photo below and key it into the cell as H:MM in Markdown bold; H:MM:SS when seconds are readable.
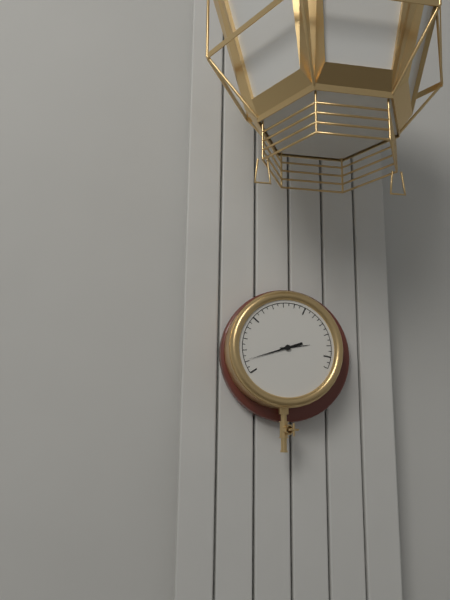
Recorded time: **2:42**
